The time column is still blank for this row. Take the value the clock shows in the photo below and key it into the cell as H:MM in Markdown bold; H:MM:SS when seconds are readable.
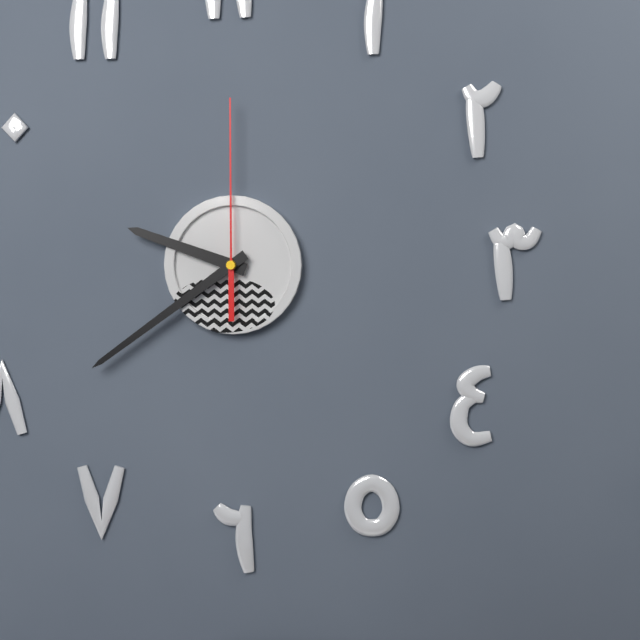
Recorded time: **9:39:00**
